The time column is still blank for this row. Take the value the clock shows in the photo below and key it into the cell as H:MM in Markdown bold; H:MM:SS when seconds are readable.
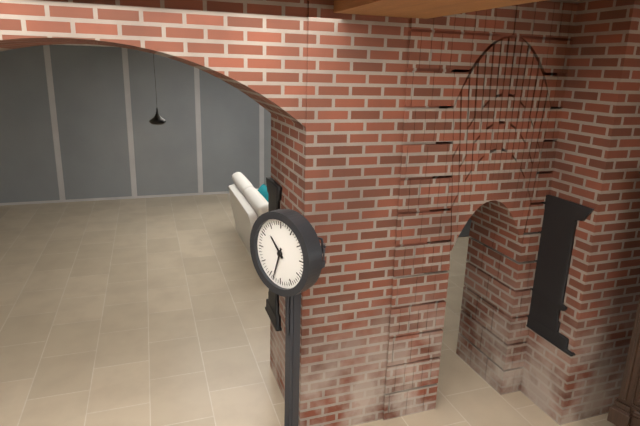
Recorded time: **10:33**
